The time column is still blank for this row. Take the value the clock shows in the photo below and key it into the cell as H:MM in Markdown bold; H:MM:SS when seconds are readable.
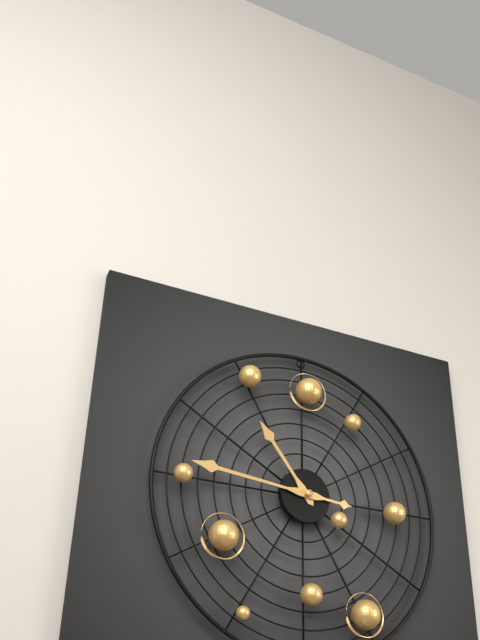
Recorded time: **10:46**
